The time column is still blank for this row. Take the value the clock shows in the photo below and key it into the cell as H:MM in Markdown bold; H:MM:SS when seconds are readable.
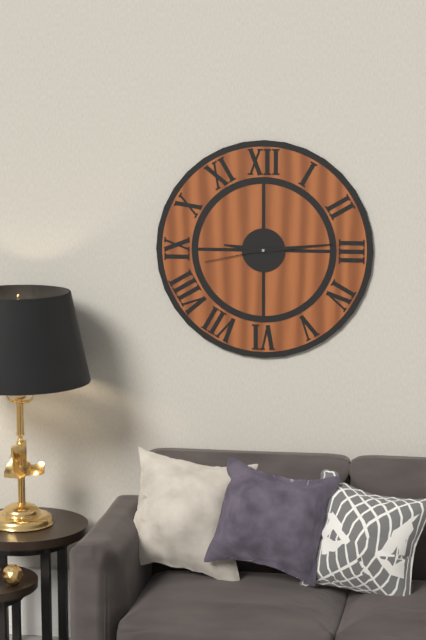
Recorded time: **9:14:43**
